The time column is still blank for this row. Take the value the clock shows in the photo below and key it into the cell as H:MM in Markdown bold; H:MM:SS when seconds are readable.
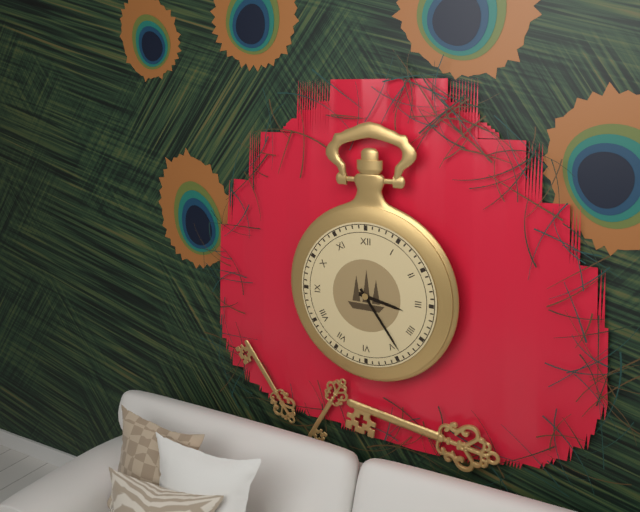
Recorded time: **3:24**
